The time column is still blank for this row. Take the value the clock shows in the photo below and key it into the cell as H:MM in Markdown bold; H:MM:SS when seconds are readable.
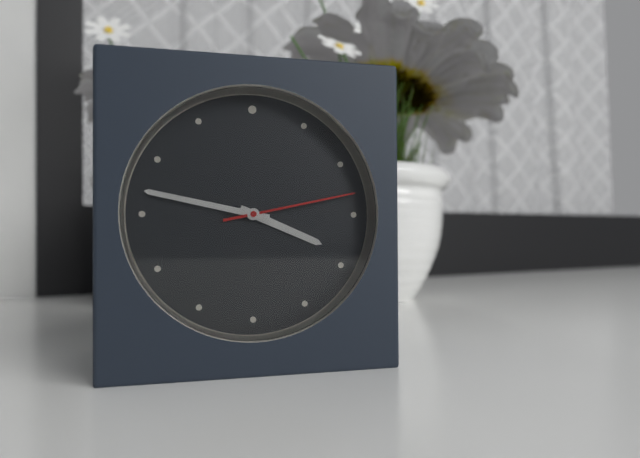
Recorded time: **3:47:13**
